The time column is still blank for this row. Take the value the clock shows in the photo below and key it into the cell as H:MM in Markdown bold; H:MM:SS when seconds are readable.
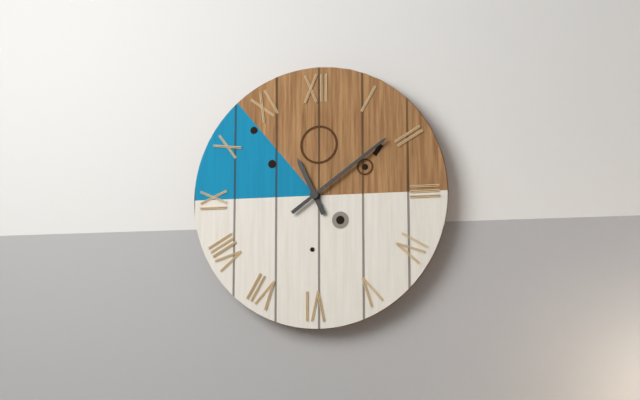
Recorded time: **11:09**
